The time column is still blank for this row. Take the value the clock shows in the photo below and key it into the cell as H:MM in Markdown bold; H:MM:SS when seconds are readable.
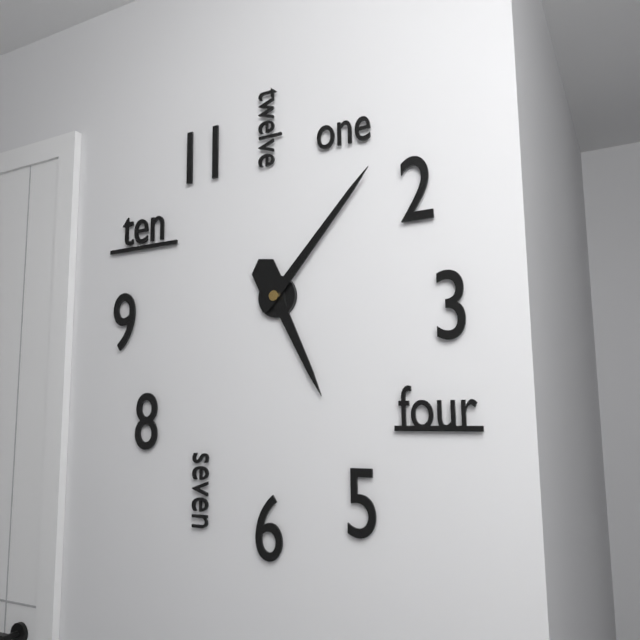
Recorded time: **5:07**
